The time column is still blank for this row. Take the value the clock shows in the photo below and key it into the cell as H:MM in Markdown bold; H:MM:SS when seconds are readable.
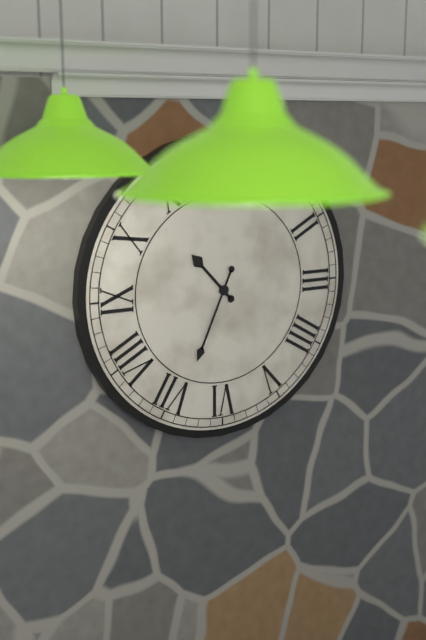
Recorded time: **10:34**
